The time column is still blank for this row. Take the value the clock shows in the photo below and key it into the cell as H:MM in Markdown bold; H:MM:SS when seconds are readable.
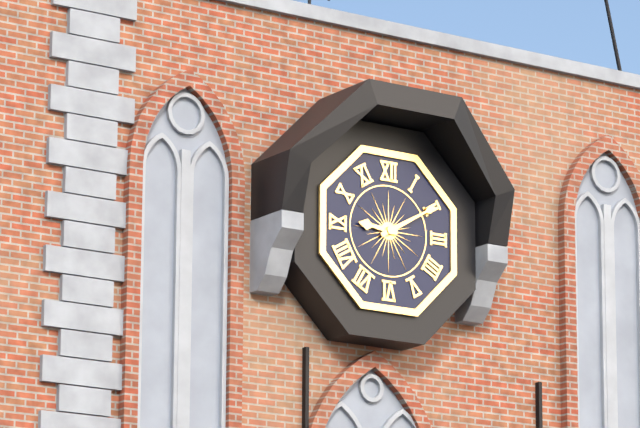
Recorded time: **9:10**
